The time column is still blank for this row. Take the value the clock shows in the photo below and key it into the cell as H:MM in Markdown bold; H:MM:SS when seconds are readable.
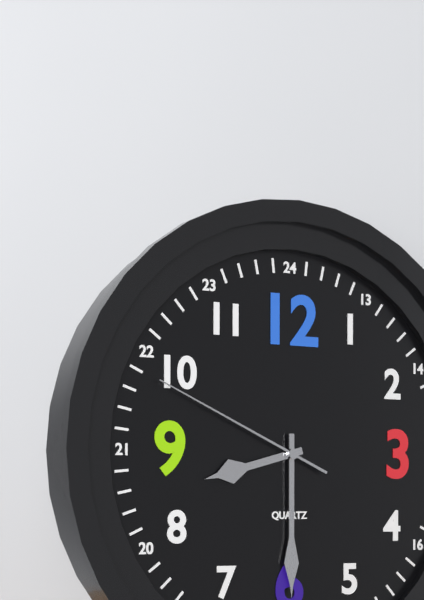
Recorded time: **8:30:49**
